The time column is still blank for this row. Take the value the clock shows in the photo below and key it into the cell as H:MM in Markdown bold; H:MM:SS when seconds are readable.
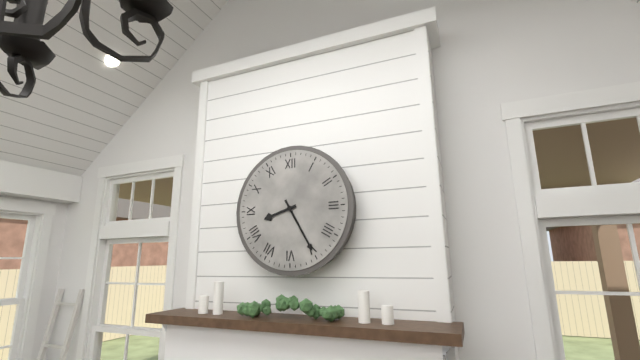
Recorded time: **8:25**
